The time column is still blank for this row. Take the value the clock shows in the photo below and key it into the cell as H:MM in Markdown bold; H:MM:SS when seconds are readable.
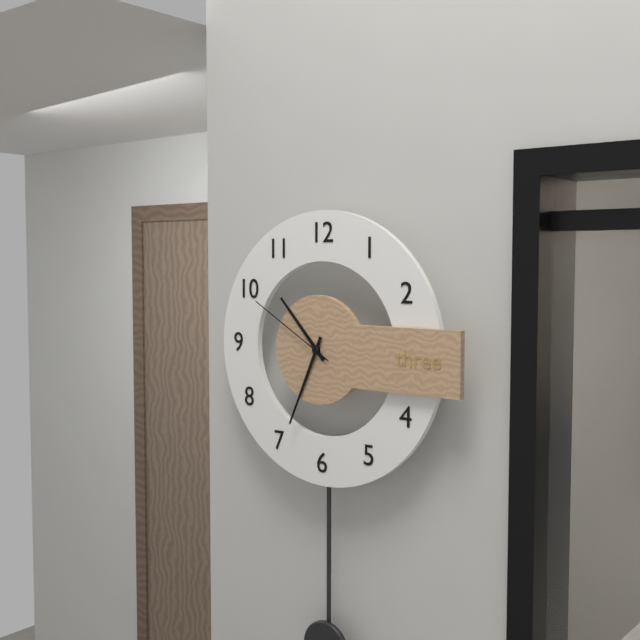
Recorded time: **10:34:50**
